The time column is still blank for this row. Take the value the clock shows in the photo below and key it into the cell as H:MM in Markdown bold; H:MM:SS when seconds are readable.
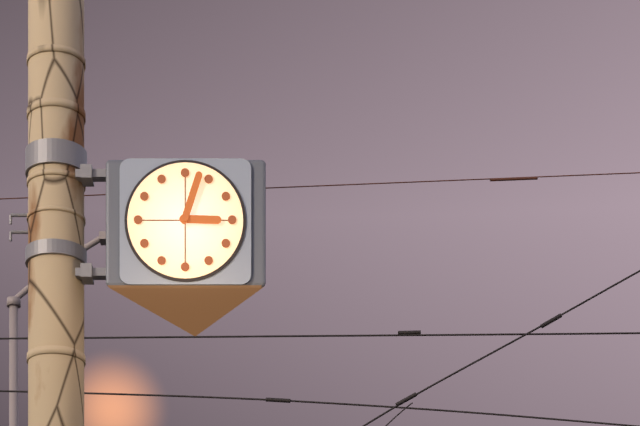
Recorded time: **3:03**
